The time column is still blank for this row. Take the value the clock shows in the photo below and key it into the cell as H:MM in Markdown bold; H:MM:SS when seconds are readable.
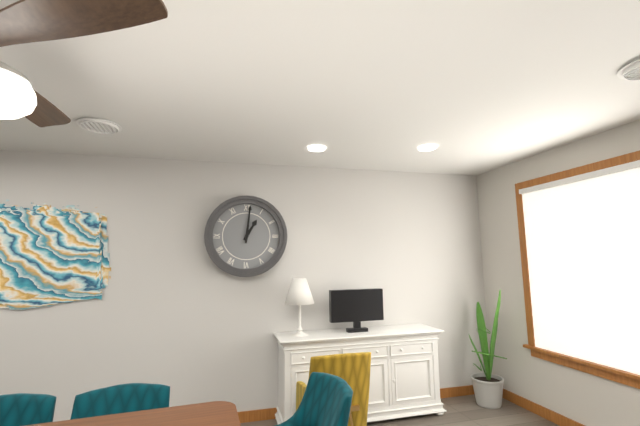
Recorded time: **1:01**
